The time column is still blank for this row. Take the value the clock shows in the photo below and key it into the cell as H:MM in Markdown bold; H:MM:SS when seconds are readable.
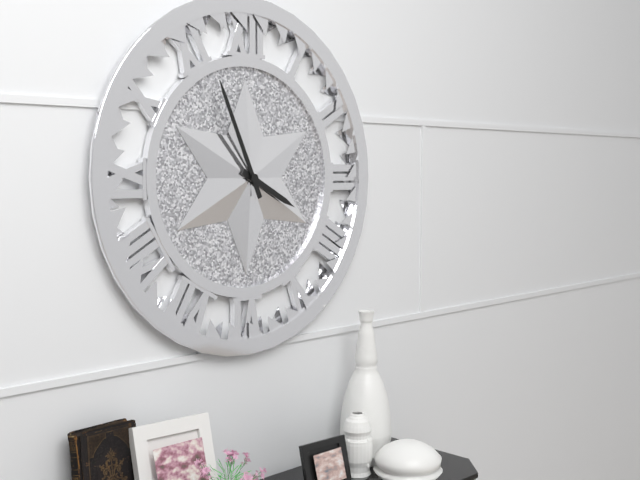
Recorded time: **3:56**
